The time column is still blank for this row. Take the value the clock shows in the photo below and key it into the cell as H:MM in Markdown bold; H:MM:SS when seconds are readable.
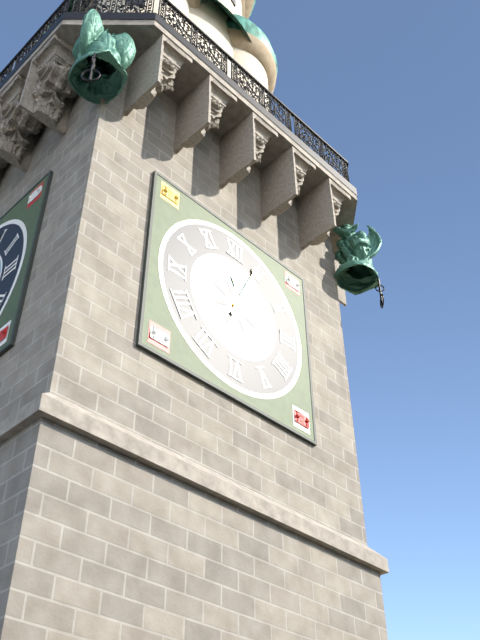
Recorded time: **12:04**
